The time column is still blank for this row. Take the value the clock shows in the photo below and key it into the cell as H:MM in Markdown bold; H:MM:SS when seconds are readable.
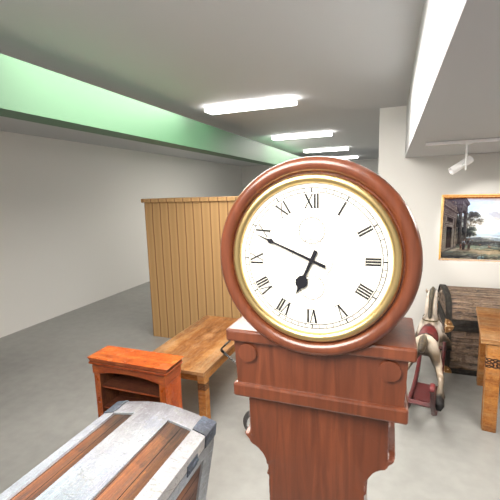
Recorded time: **6:49**
